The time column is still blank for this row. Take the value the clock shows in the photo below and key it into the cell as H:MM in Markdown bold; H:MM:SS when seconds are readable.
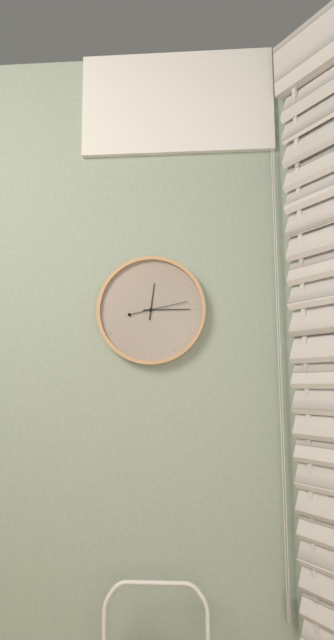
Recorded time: **12:15**
